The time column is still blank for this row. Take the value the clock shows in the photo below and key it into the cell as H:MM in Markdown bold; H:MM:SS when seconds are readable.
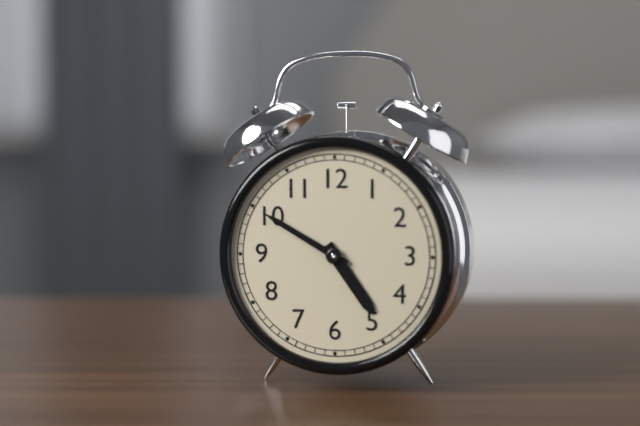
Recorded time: **4:50**
